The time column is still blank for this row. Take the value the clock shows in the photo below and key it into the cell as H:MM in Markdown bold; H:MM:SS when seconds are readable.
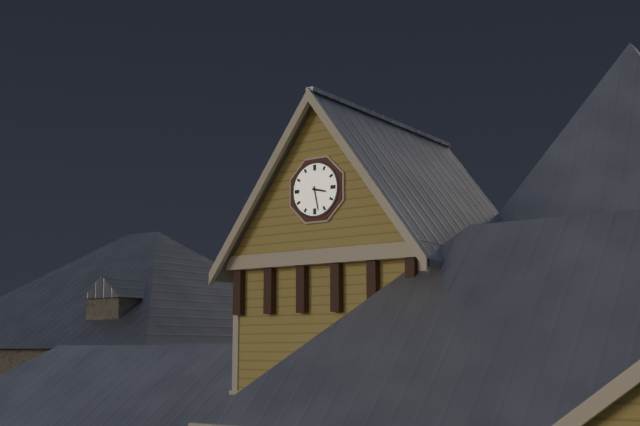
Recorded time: **3:28**
